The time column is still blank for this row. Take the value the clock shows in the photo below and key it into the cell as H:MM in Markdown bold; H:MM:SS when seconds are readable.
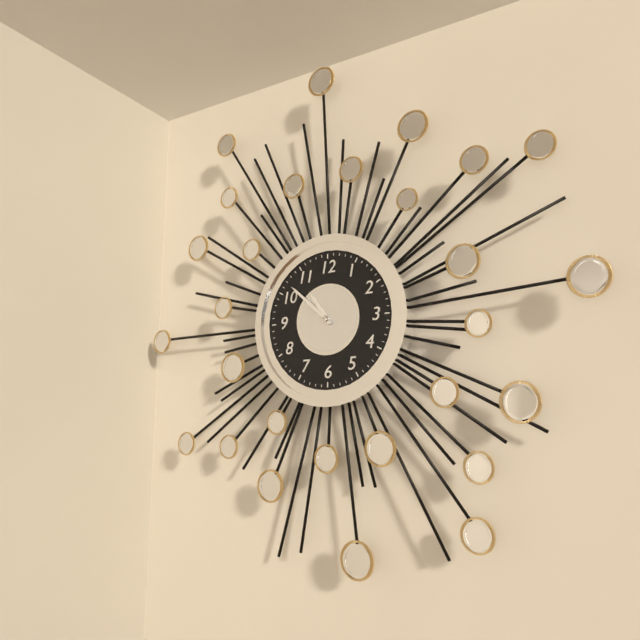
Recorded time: **10:52**
